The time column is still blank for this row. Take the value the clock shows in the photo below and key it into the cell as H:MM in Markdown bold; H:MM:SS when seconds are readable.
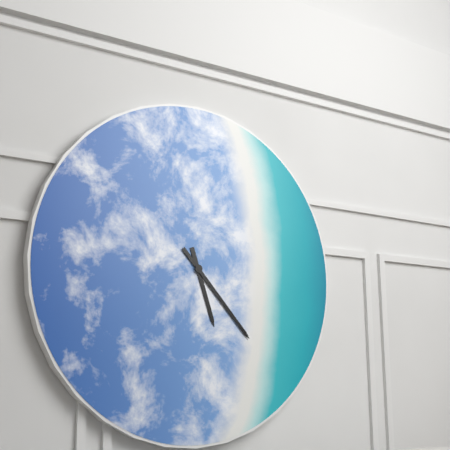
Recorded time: **5:23**
